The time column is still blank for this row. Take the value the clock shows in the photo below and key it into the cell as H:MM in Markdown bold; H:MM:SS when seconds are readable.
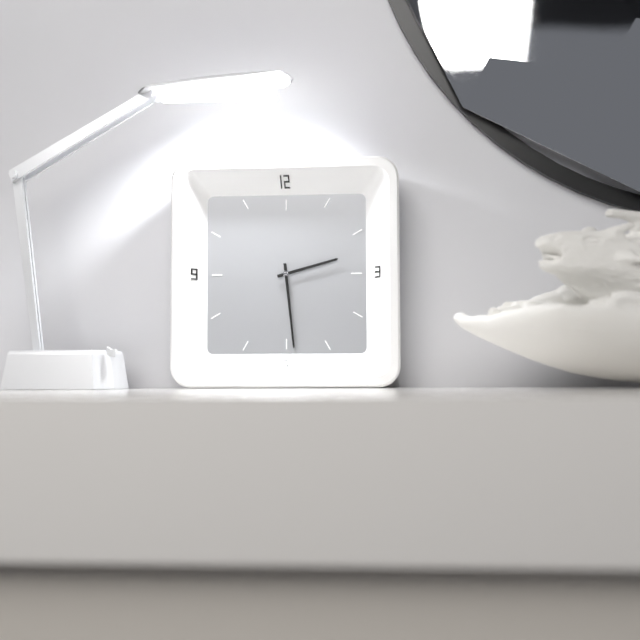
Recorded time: **2:29**
